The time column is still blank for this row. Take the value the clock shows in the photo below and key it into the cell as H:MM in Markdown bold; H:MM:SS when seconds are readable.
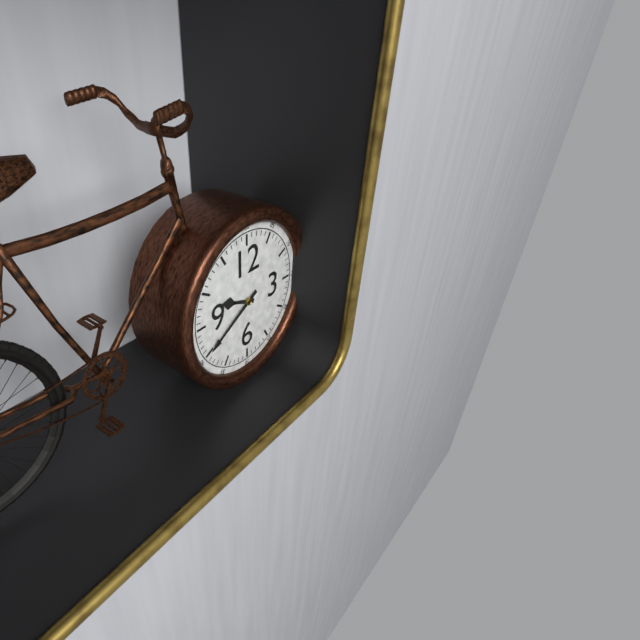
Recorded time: **9:40**
